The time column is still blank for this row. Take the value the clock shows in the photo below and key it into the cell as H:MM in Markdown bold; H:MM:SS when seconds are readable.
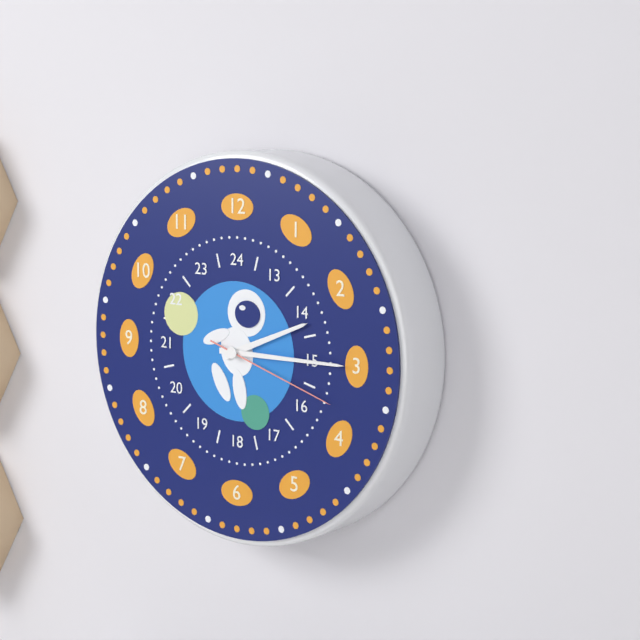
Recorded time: **2:15:18**
